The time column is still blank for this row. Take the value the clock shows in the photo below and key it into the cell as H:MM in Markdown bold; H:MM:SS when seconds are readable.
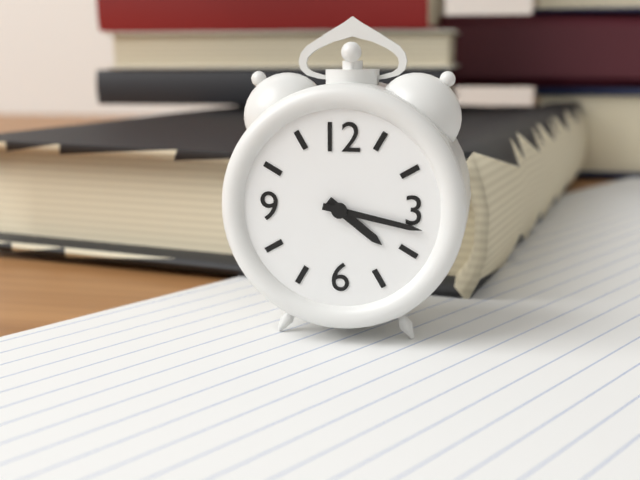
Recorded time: **4:17**
